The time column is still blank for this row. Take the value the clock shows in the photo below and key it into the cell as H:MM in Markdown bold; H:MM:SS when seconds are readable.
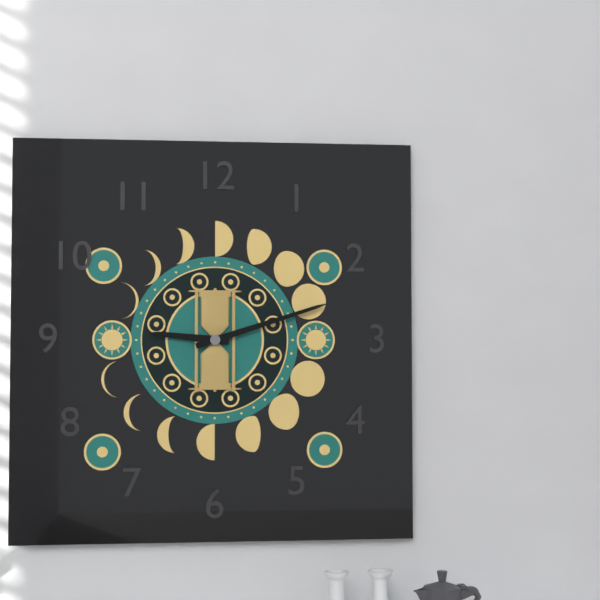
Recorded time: **9:12**
